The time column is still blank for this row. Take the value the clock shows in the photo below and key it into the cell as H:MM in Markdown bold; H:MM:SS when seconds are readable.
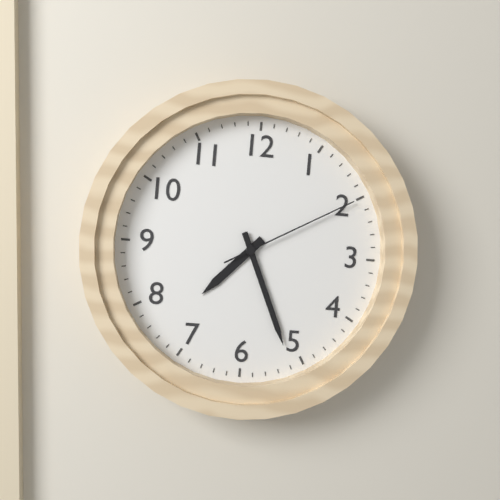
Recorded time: **7:26:10**
